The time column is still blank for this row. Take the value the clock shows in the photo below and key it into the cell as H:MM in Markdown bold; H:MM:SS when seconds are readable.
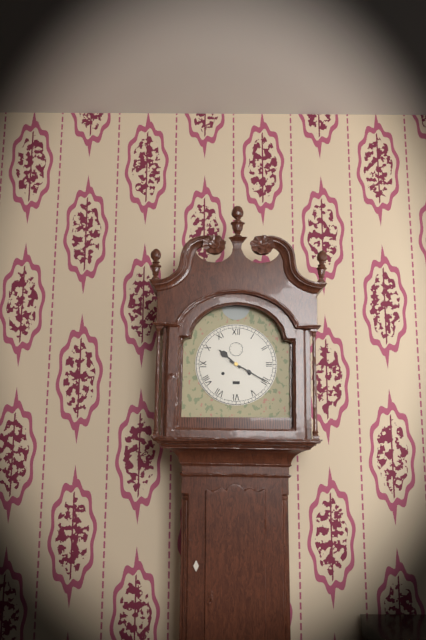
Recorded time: **10:20**
